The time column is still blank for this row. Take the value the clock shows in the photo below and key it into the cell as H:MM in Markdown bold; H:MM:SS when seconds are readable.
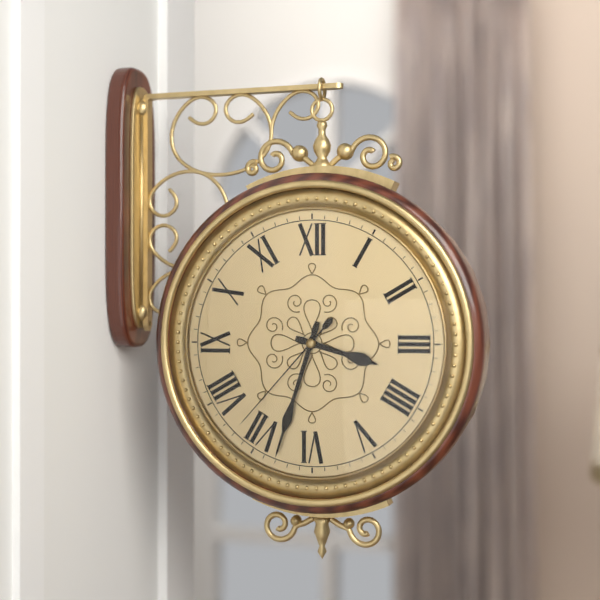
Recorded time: **3:33:37**
